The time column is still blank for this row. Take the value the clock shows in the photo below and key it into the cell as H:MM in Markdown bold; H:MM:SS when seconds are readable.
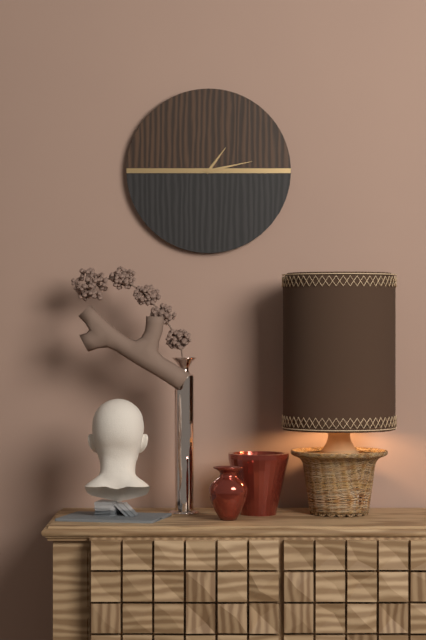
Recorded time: **1:13**
